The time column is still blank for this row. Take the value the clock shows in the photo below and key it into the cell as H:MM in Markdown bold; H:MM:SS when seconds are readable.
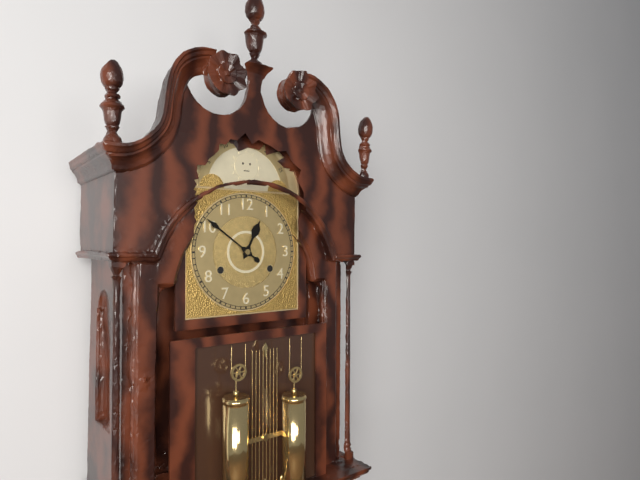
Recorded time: **12:51**
